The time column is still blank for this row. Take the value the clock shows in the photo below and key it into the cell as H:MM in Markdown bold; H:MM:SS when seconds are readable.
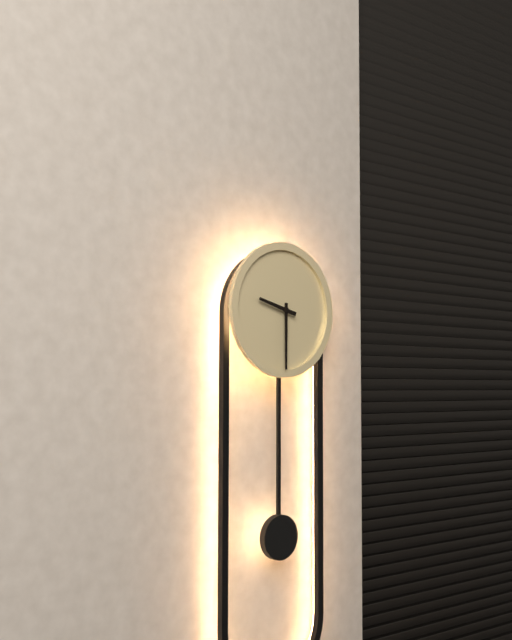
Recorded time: **9:30**
